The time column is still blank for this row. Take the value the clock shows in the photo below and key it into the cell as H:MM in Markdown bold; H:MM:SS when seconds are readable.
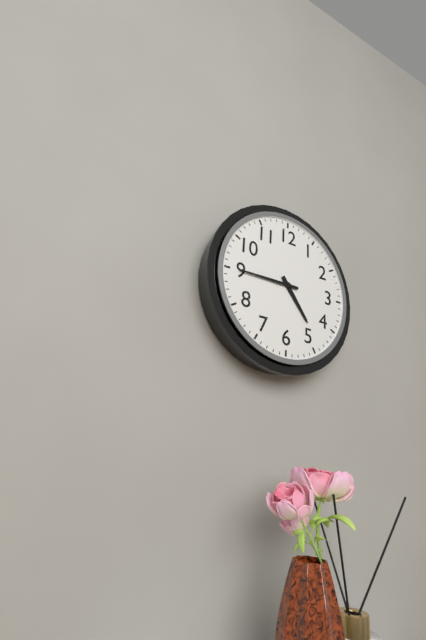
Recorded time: **4:45**
